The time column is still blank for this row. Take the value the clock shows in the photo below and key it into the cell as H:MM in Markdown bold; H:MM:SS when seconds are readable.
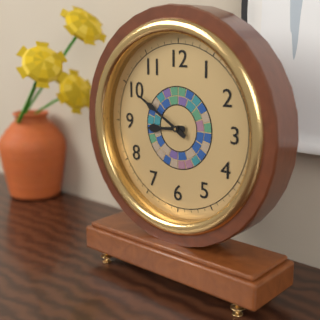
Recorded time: **8:50**
